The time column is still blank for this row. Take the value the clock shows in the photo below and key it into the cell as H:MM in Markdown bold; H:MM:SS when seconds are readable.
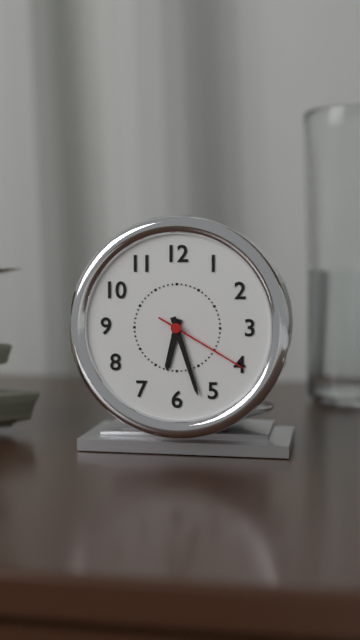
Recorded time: **6:27:20**
